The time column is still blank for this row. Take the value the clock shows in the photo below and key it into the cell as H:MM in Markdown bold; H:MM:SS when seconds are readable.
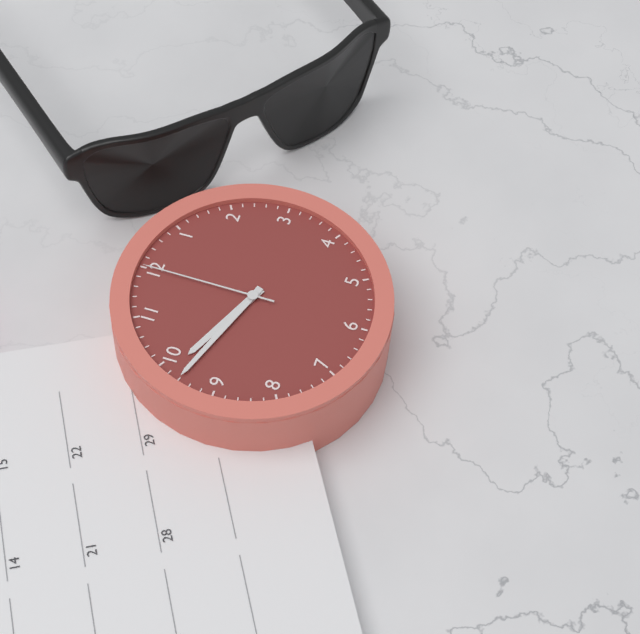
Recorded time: **9:48:00**
